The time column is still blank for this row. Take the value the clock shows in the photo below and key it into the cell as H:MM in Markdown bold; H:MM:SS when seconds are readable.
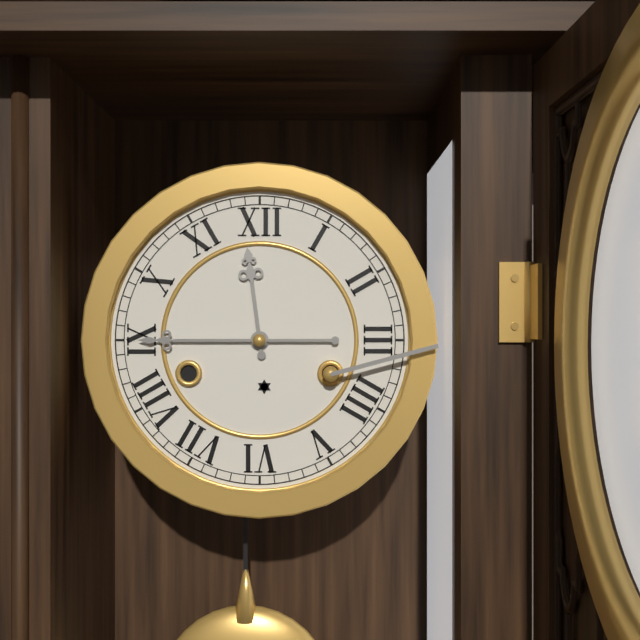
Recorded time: **11:45**
